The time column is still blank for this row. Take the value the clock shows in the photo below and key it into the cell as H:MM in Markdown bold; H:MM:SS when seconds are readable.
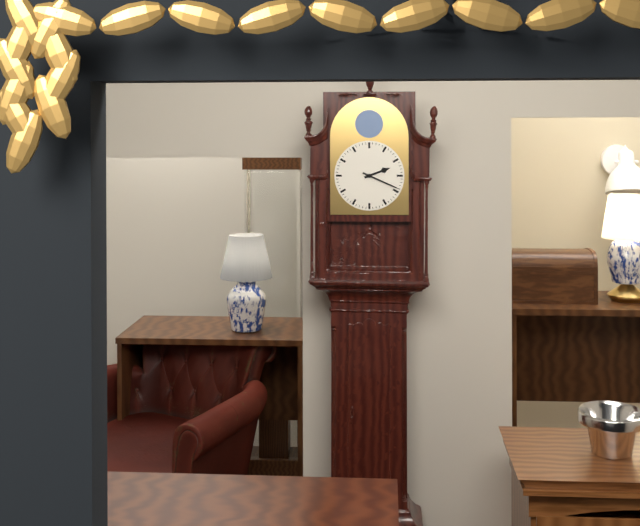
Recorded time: **2:19**
